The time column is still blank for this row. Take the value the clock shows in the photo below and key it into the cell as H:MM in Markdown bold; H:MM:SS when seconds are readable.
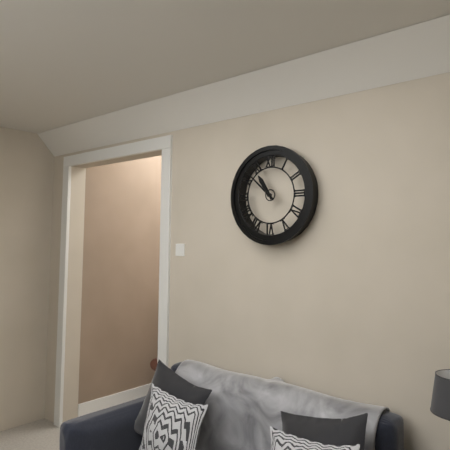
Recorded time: **10:52**
